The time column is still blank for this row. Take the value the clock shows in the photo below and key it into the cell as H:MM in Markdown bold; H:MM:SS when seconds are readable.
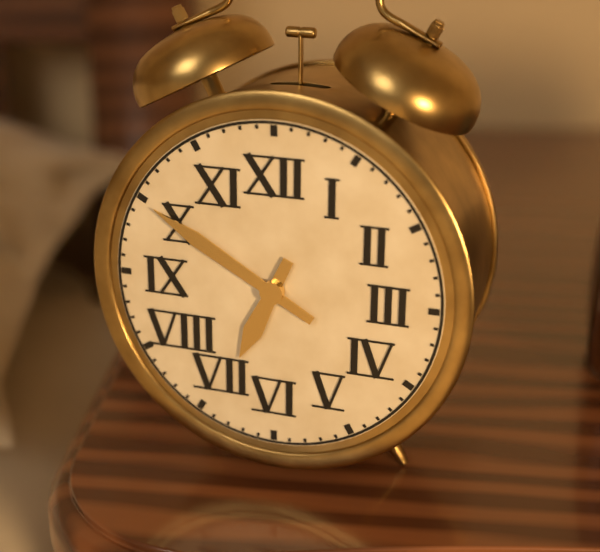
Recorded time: **6:50**
